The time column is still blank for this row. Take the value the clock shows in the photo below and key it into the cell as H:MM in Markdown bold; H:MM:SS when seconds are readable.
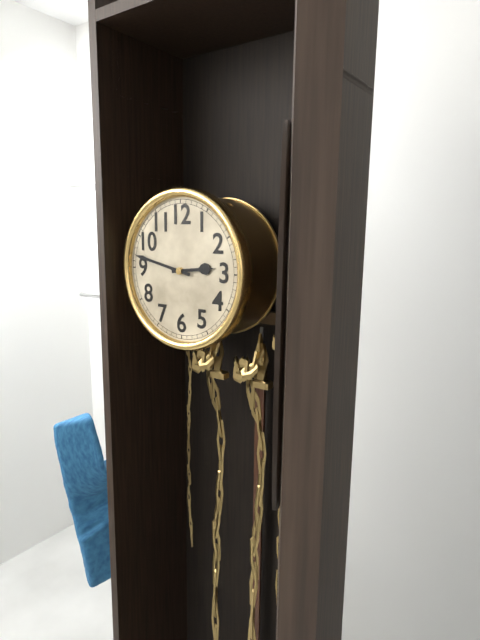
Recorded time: **2:47**
